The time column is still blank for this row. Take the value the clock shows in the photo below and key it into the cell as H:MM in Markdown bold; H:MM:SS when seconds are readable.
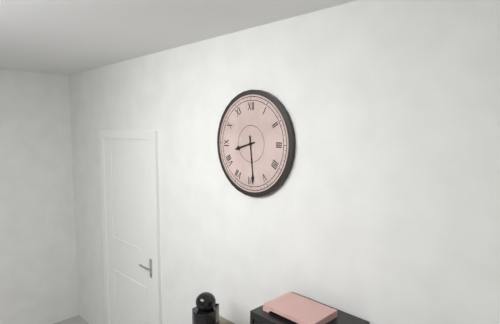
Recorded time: **8:29**
